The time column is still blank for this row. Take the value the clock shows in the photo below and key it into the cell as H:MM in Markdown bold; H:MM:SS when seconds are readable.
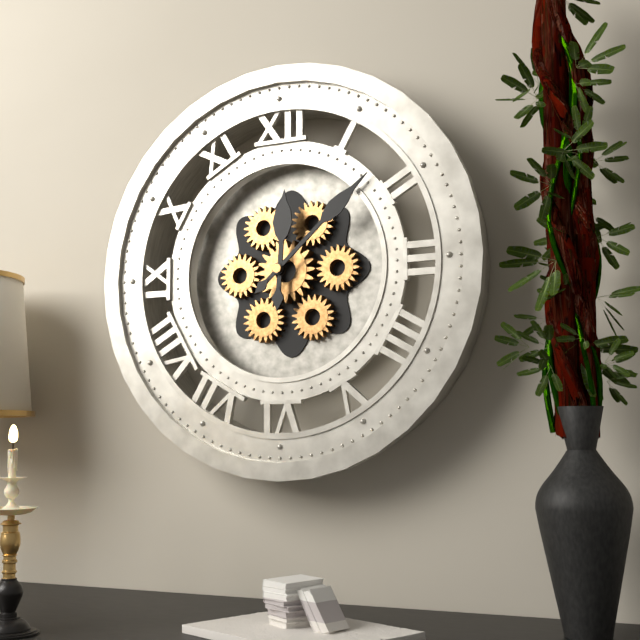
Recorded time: **12:08**
